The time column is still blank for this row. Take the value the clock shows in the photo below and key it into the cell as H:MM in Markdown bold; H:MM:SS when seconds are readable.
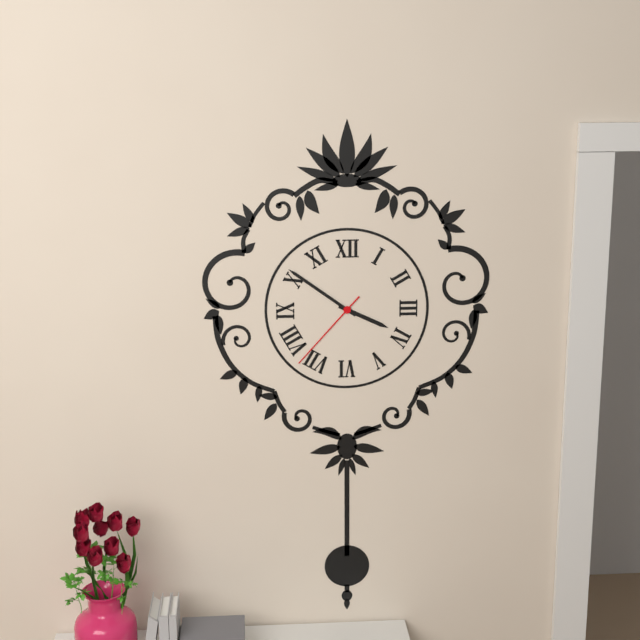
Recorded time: **3:51:37**
